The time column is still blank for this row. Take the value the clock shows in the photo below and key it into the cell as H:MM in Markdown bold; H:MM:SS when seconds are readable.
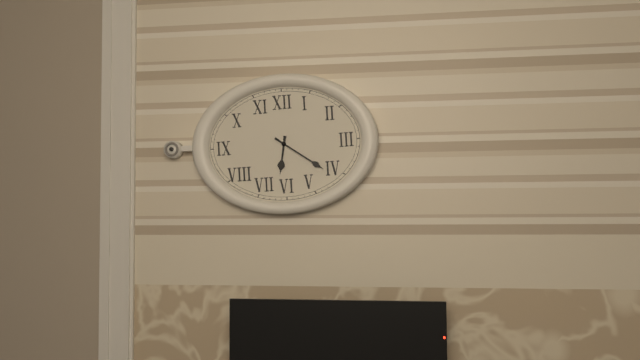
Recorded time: **6:21**
